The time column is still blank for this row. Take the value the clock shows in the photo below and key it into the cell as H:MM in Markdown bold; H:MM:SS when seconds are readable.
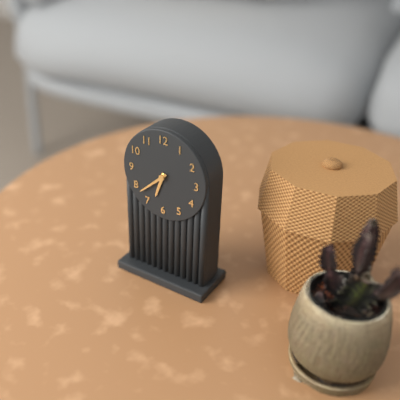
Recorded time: **6:38**
